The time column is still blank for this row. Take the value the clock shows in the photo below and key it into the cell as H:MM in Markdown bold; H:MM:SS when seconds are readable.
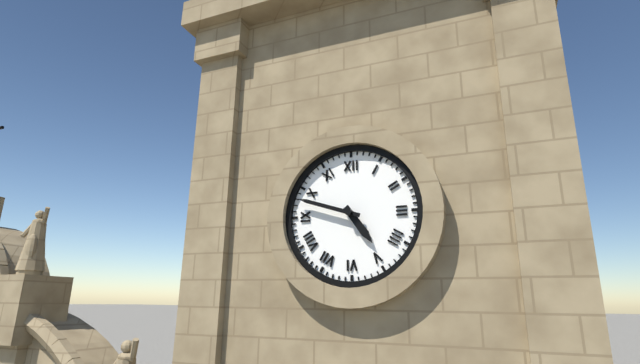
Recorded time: **4:48**
